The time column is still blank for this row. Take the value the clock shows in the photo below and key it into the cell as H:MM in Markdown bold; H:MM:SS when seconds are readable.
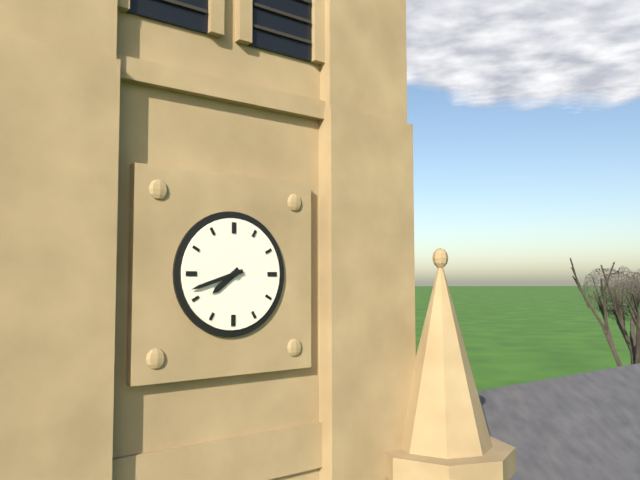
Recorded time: **7:42**
